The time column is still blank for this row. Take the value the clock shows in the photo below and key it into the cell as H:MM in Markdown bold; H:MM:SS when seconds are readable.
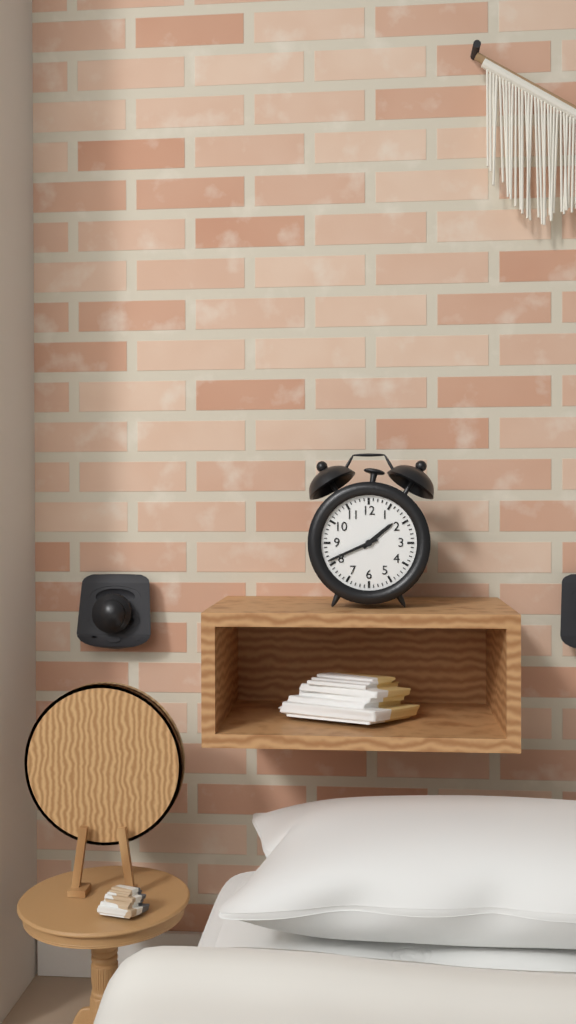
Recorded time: **1:41**
